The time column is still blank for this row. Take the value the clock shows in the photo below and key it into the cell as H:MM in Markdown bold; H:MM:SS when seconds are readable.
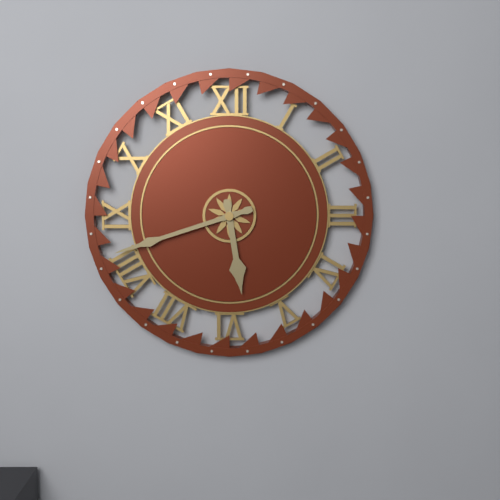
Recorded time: **5:42**
